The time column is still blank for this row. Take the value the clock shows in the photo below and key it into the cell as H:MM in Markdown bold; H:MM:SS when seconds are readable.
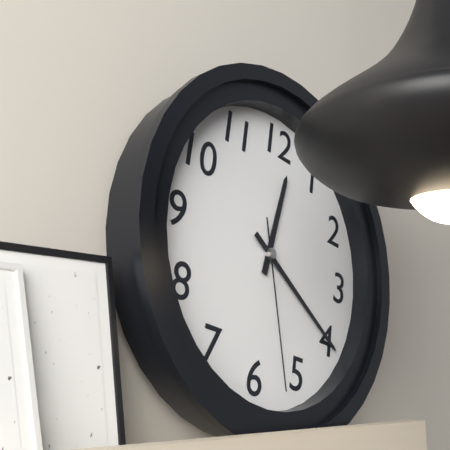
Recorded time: **12:20:27**
